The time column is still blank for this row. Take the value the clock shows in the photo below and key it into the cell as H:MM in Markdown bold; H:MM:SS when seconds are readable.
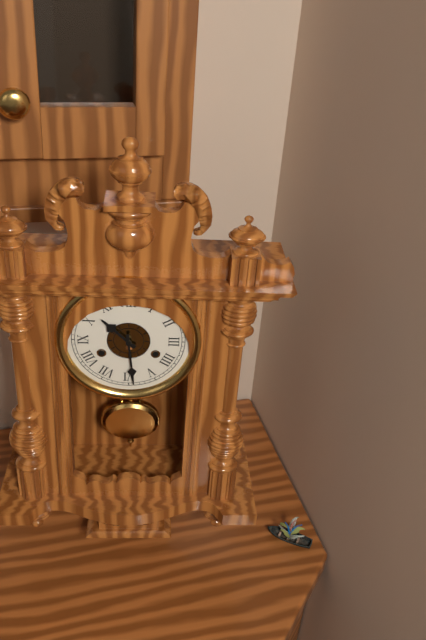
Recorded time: **10:29**
